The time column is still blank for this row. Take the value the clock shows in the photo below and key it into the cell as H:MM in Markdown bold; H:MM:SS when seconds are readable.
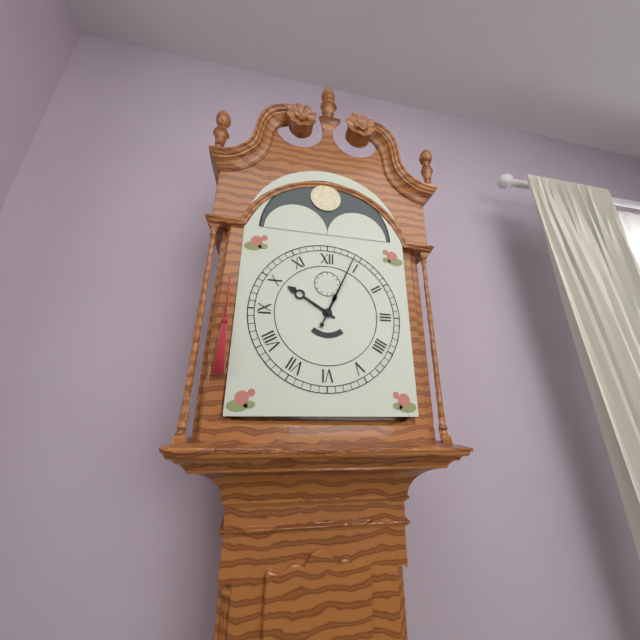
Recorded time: **10:04**
